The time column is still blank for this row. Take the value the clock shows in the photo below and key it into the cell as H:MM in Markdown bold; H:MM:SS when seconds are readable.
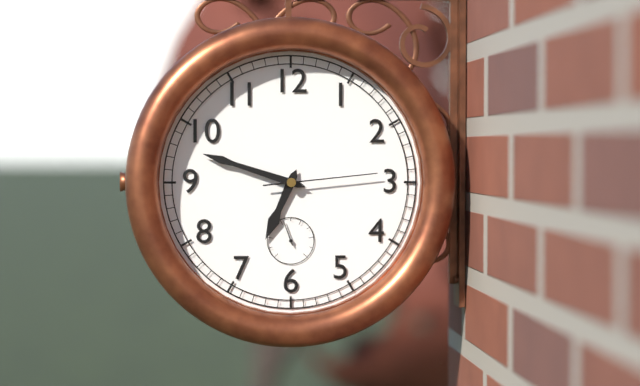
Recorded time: **6:48:14**
